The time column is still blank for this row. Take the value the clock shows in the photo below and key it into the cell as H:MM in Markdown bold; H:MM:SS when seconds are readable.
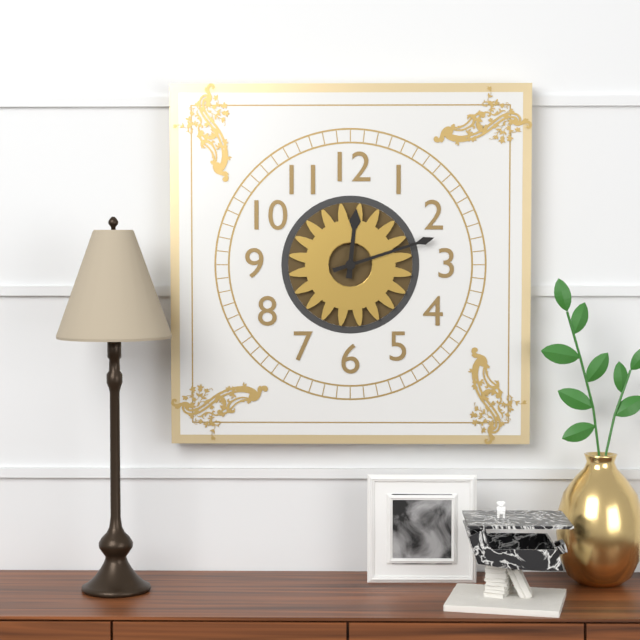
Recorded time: **12:12**
